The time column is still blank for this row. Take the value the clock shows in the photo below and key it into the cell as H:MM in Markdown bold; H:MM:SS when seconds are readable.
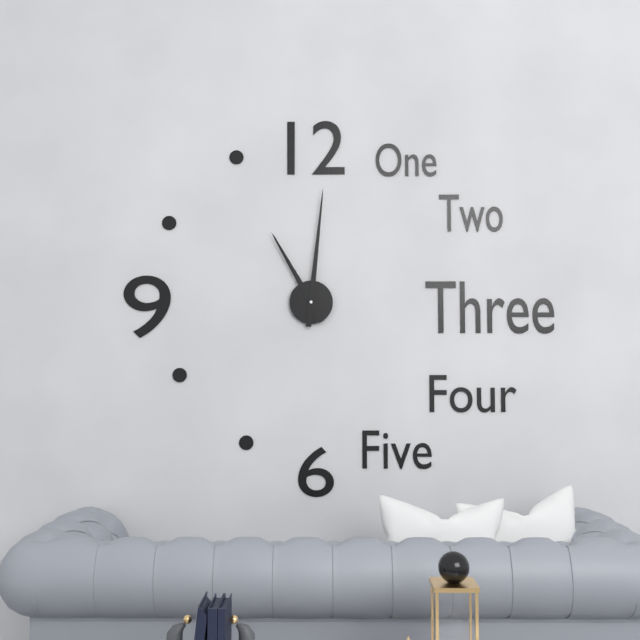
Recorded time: **11:01**
